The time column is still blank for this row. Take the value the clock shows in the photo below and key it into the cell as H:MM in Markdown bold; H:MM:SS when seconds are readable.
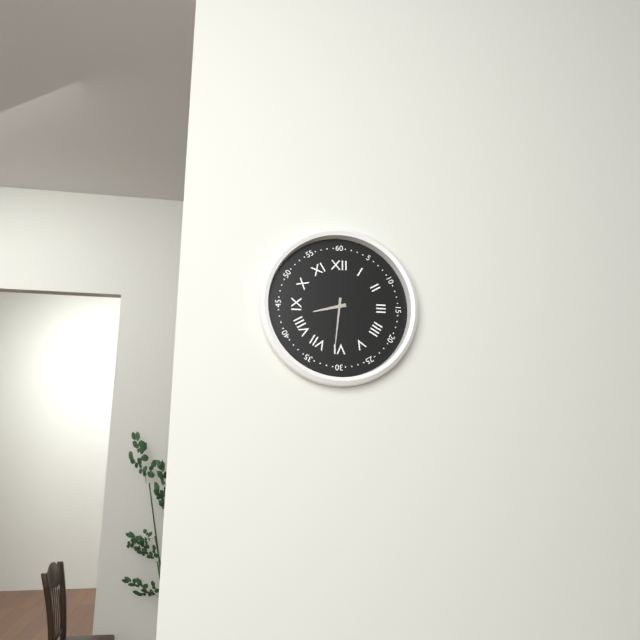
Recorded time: **8:31**
